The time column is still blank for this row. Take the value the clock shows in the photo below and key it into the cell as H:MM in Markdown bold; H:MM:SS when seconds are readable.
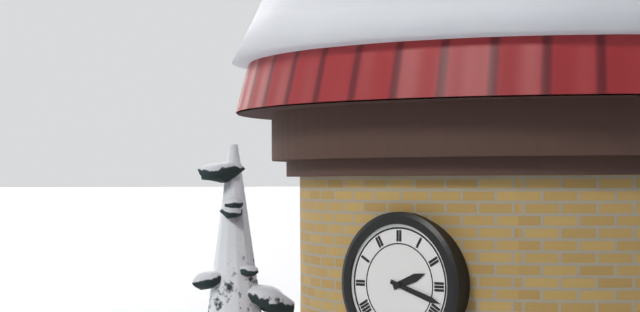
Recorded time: **2:18**
